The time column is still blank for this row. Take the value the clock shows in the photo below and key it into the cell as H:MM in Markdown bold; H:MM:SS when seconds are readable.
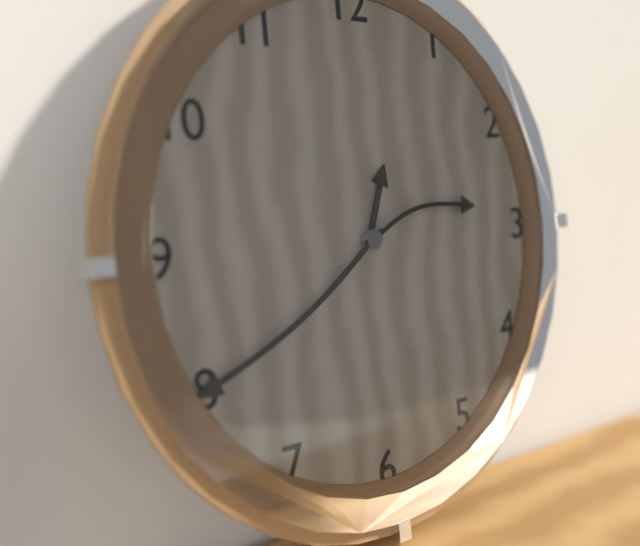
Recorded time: **12:40:13**
